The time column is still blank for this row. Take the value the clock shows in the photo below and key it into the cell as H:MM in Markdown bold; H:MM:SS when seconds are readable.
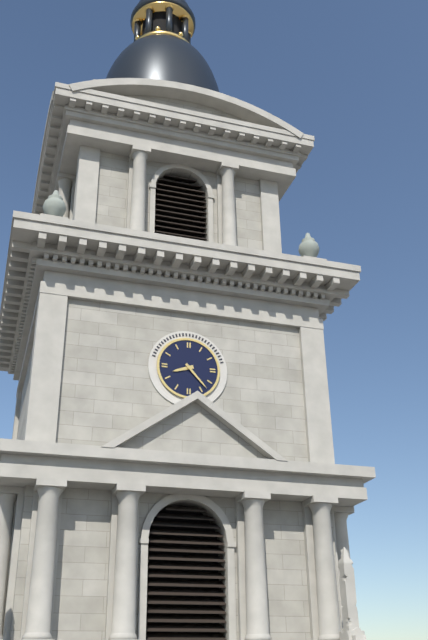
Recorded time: **8:23**
